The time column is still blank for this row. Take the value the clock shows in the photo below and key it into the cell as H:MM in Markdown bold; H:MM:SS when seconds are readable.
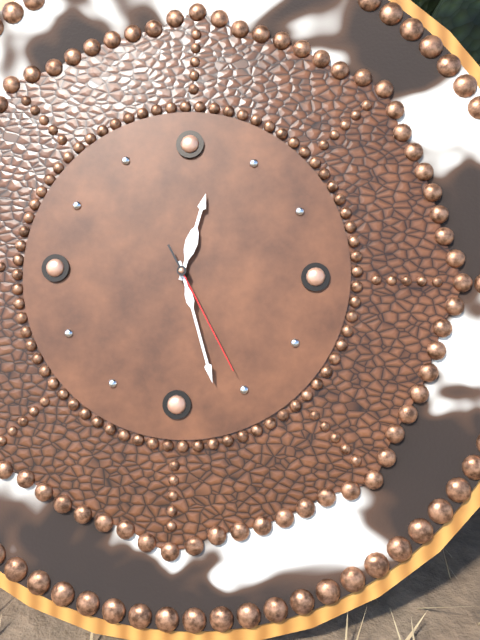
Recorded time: **12:27:25**
